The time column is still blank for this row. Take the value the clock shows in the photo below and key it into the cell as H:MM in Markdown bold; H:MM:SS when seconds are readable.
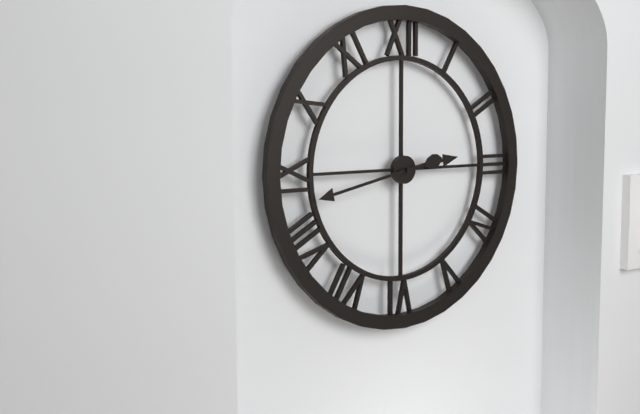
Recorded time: **2:43**
